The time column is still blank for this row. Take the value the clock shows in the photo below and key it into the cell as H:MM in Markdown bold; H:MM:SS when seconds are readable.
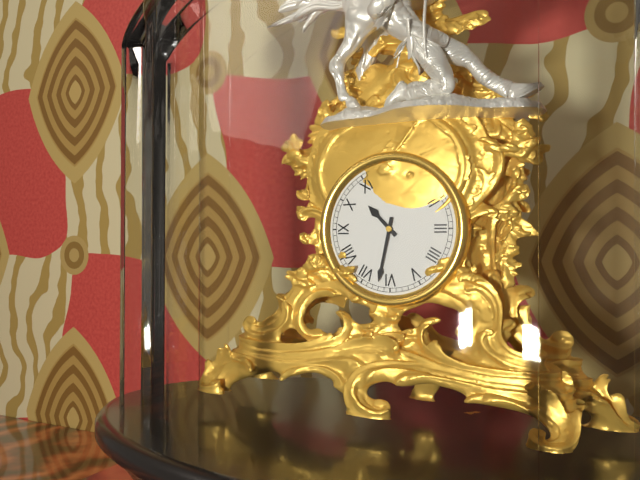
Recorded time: **10:32**
